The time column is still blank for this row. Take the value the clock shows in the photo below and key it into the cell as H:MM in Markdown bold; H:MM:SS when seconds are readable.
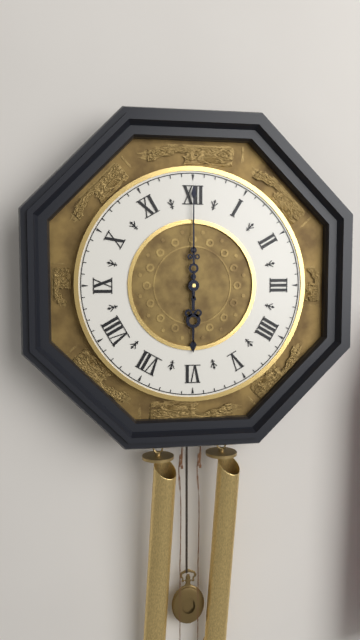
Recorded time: **6:00**
